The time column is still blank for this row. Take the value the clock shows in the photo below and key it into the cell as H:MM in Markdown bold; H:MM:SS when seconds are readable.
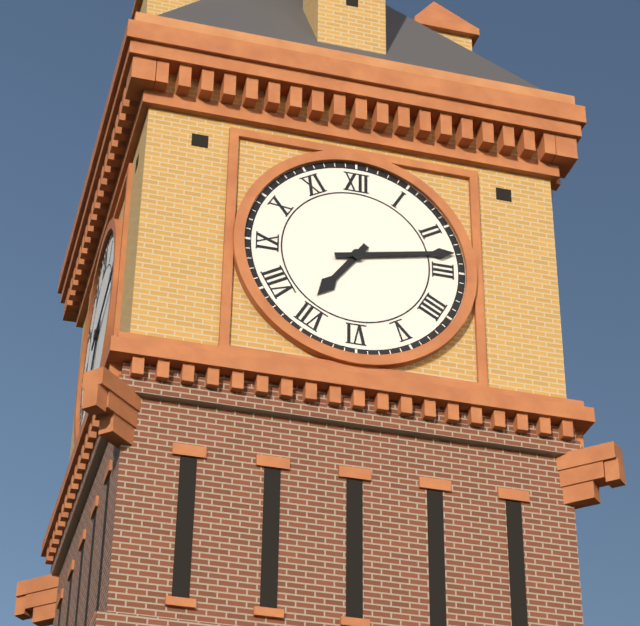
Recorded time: **7:13**
